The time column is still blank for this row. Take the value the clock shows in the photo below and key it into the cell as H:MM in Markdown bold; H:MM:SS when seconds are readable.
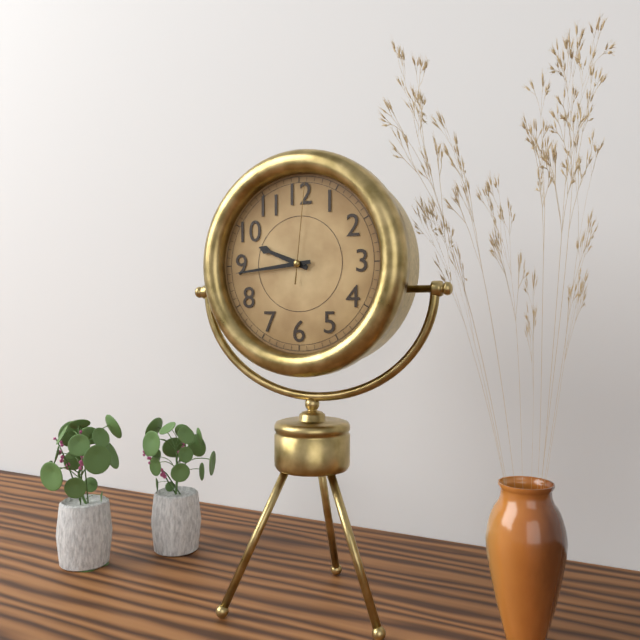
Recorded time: **9:44:01**
